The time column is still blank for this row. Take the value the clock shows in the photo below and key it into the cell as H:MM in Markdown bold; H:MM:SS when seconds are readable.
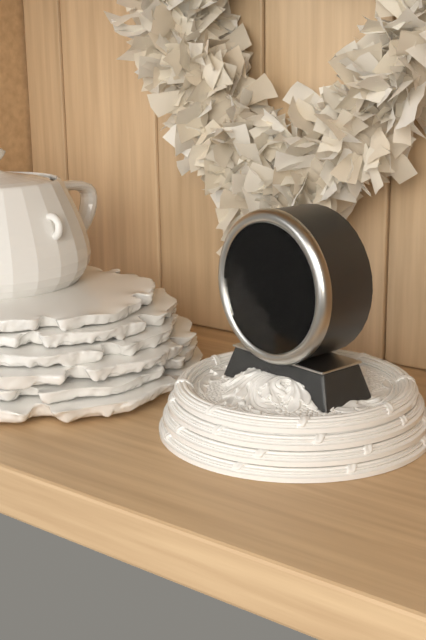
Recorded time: **9:41**
